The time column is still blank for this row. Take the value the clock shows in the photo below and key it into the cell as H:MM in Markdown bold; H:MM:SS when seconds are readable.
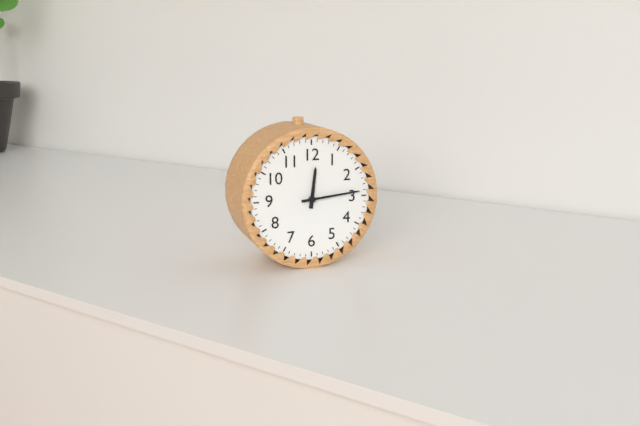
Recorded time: **12:14**
